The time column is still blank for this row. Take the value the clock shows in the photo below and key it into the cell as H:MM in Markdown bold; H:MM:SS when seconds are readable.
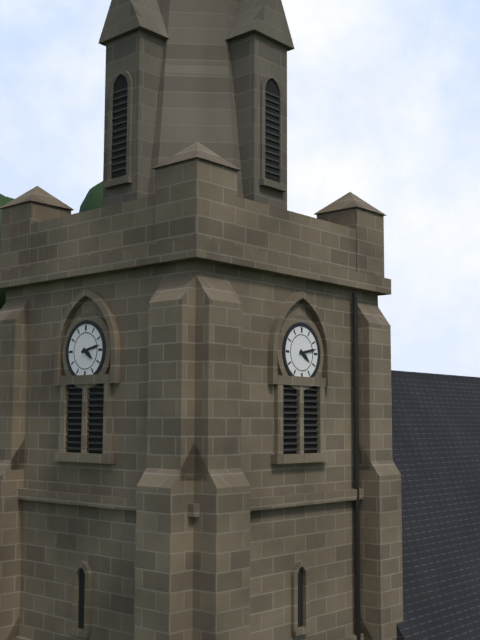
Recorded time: **4:13**
